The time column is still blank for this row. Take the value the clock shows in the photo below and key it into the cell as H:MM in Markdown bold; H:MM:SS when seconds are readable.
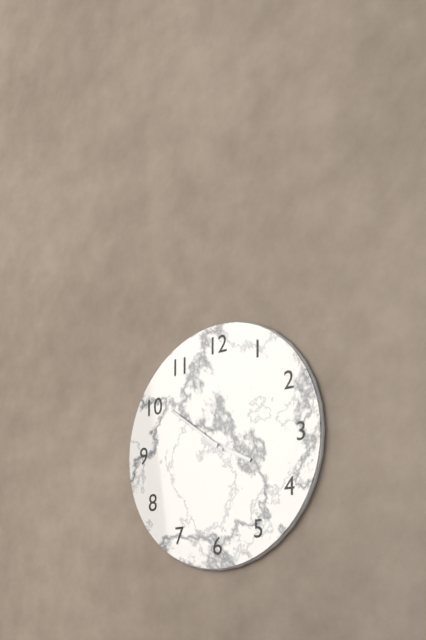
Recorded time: **3:51**
